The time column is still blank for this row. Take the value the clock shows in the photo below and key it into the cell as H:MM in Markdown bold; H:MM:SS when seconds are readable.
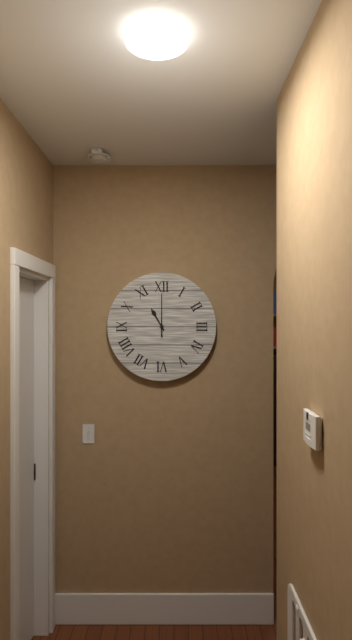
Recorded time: **11:00**
